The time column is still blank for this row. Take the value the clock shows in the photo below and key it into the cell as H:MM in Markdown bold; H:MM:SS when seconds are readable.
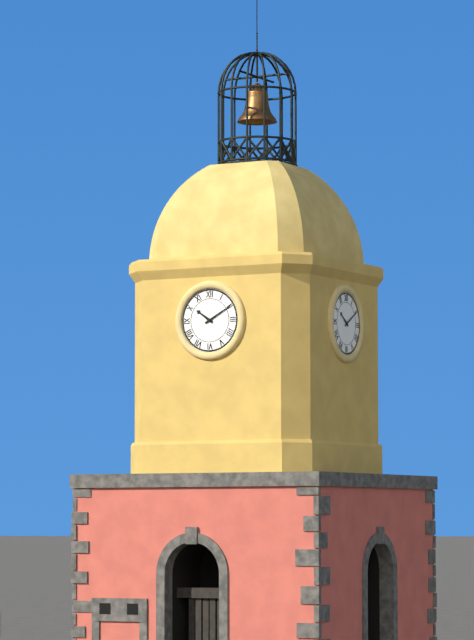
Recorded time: **10:10**
